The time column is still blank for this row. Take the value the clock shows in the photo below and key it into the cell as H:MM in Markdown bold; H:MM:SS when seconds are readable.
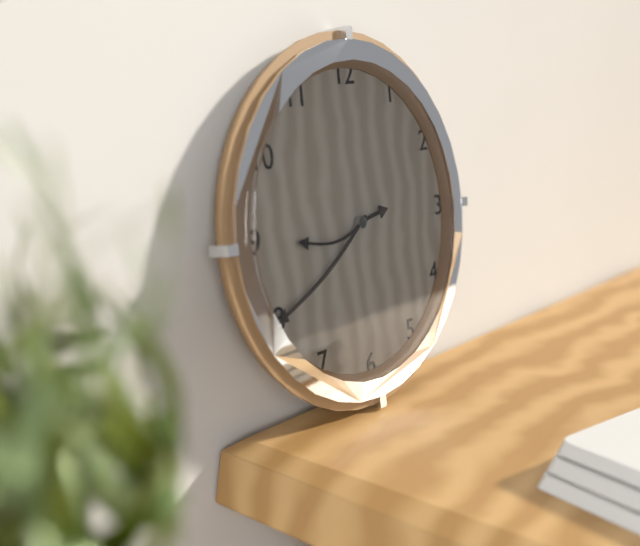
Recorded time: **2:40:44**
